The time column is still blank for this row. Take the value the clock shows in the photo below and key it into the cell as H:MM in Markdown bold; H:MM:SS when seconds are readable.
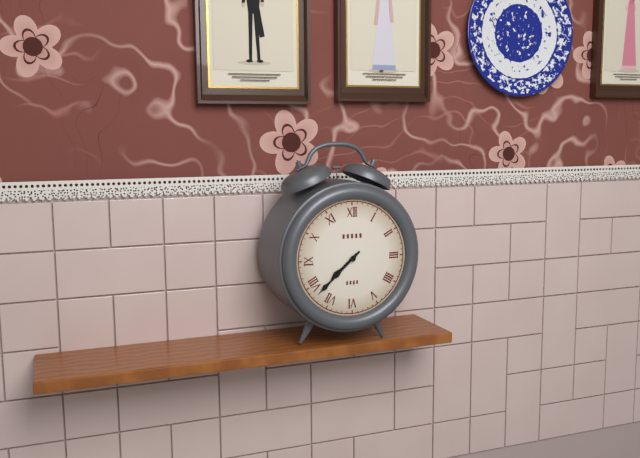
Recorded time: **7:38**
